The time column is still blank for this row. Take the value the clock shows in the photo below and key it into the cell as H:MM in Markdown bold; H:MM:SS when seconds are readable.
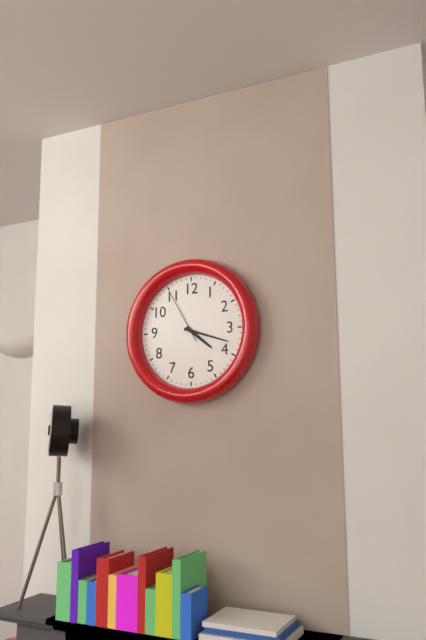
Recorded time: **4:18:55**
